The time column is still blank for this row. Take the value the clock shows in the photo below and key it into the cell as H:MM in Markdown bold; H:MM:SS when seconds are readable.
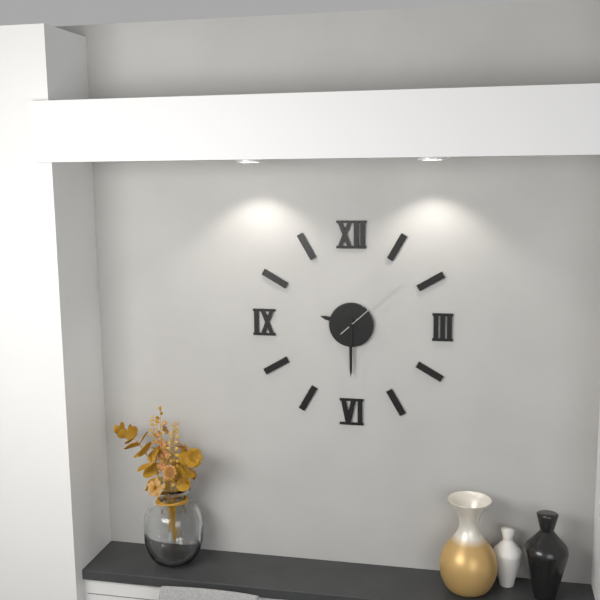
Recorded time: **9:30:08**
